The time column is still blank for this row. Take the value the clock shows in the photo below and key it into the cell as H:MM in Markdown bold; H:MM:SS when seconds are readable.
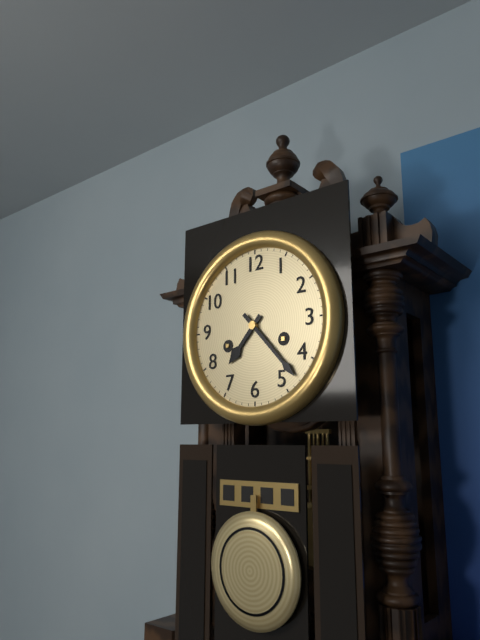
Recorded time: **7:23**
